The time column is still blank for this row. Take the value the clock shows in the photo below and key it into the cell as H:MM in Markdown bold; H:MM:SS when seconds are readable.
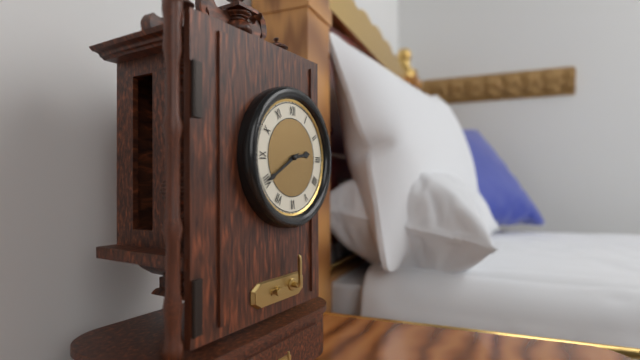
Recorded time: **2:40**
